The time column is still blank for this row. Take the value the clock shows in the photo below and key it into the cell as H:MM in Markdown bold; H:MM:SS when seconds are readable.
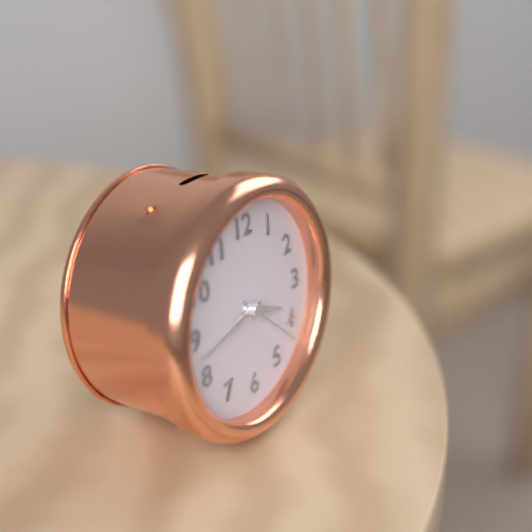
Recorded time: **3:43:22**
